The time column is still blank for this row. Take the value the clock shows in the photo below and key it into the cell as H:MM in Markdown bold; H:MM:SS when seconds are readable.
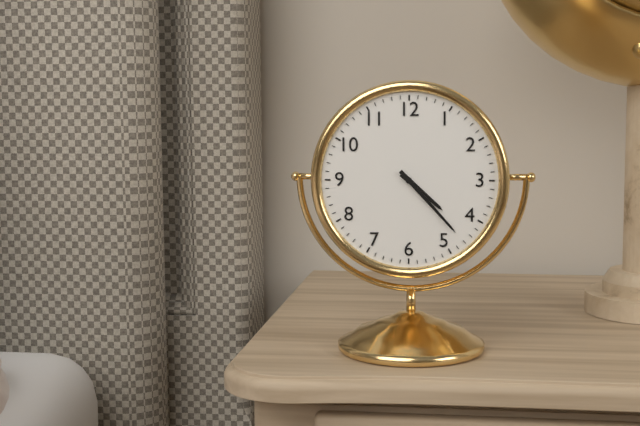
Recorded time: **4:23**
